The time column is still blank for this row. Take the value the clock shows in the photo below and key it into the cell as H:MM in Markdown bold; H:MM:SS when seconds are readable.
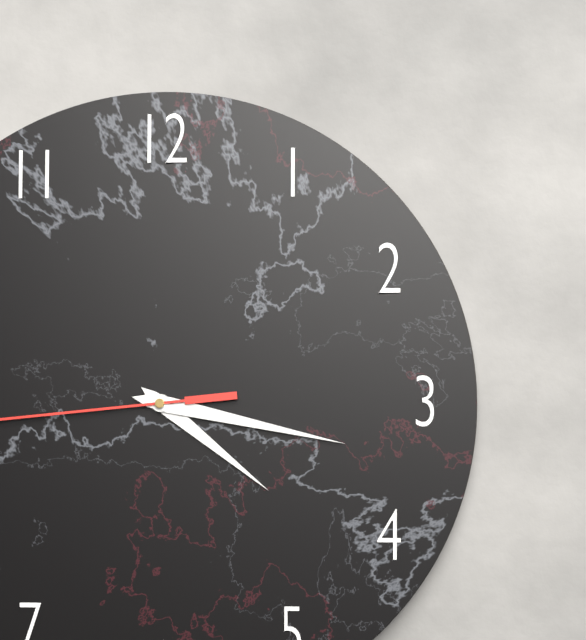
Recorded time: **4:17**
